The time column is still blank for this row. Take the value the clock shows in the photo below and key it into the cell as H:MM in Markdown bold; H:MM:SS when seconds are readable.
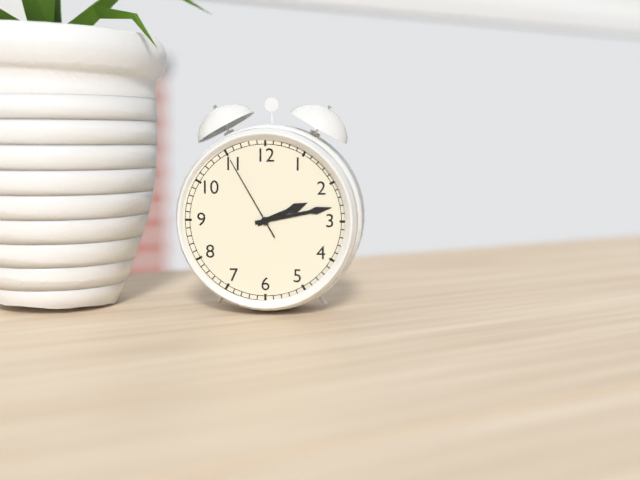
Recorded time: **2:13:55**
